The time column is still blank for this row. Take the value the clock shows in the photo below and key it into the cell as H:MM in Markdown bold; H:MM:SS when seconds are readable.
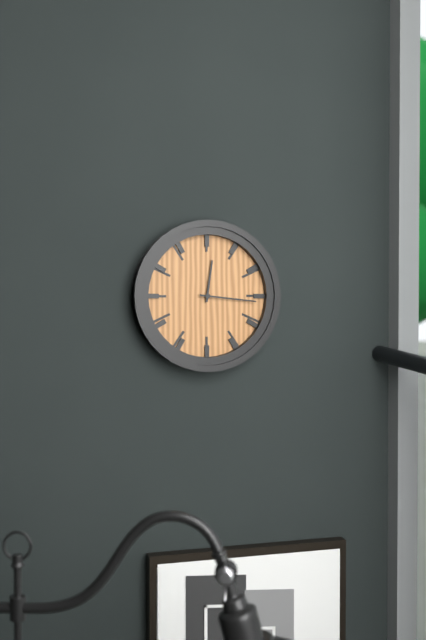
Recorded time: **12:16**
